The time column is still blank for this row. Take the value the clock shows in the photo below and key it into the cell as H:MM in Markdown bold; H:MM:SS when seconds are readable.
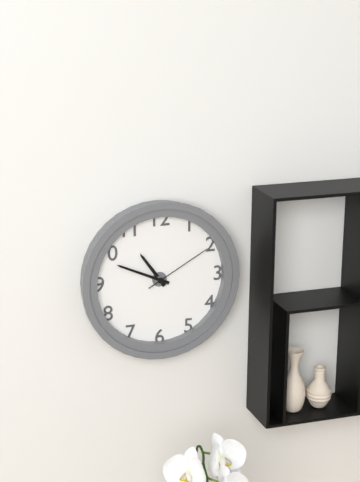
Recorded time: **10:49:10**
